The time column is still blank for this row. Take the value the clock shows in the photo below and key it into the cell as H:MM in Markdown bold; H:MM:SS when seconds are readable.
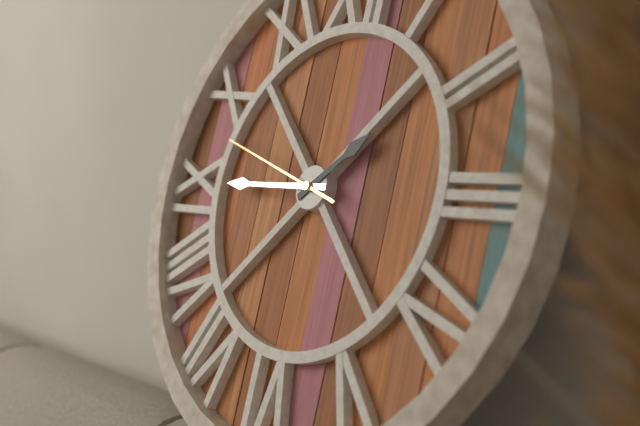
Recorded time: **1:45:48**
